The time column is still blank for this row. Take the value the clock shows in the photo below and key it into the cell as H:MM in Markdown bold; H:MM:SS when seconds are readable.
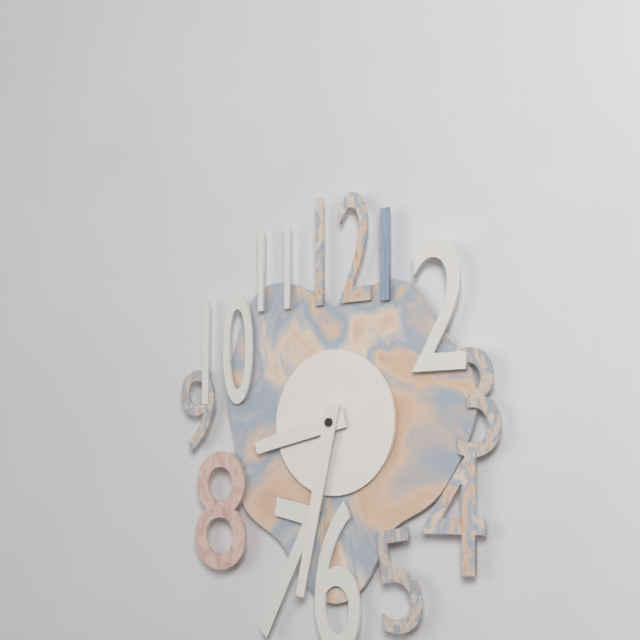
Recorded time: **8:32**
